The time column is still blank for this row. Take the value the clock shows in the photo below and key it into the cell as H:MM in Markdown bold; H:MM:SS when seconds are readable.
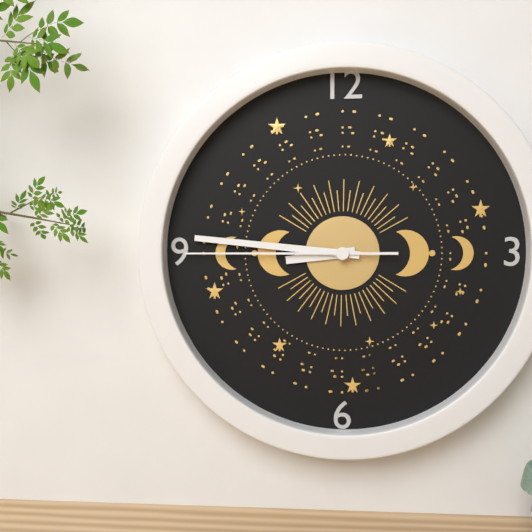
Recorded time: **8:46:45**
